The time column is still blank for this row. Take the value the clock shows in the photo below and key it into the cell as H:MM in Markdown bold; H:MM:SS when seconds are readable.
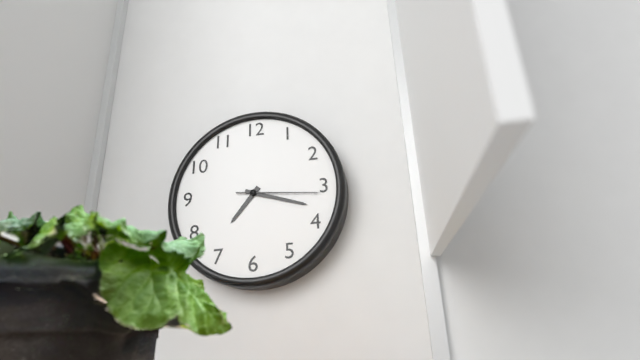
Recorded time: **7:18:16**
